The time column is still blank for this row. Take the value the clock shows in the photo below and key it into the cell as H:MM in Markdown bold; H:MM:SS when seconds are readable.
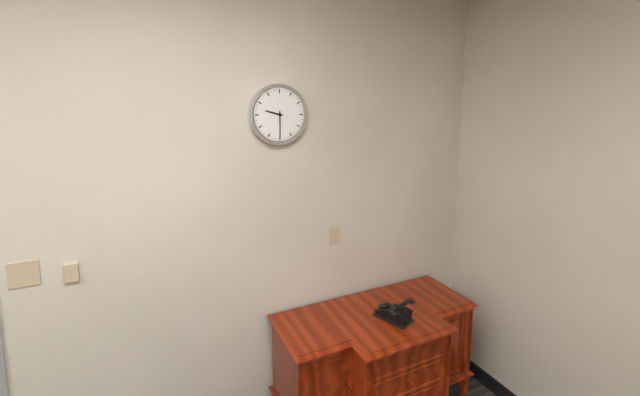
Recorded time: **9:30**
